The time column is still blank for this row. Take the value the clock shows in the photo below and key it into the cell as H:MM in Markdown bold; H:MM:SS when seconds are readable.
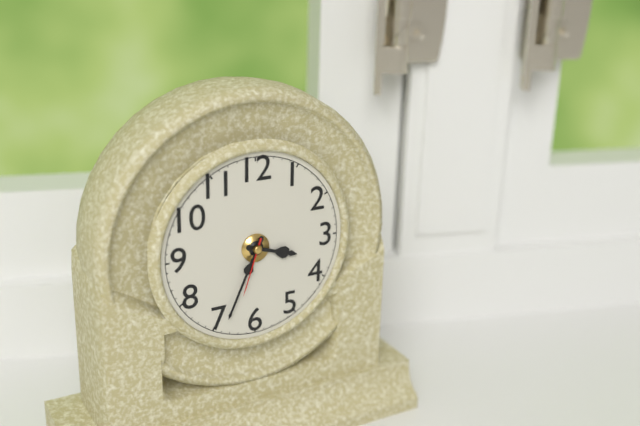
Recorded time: **3:34:33**
